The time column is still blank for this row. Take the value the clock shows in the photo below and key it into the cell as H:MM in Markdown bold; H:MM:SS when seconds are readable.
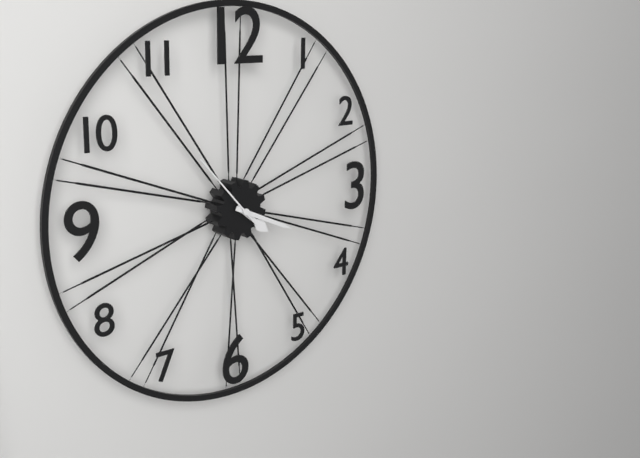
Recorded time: **4:19:53**
